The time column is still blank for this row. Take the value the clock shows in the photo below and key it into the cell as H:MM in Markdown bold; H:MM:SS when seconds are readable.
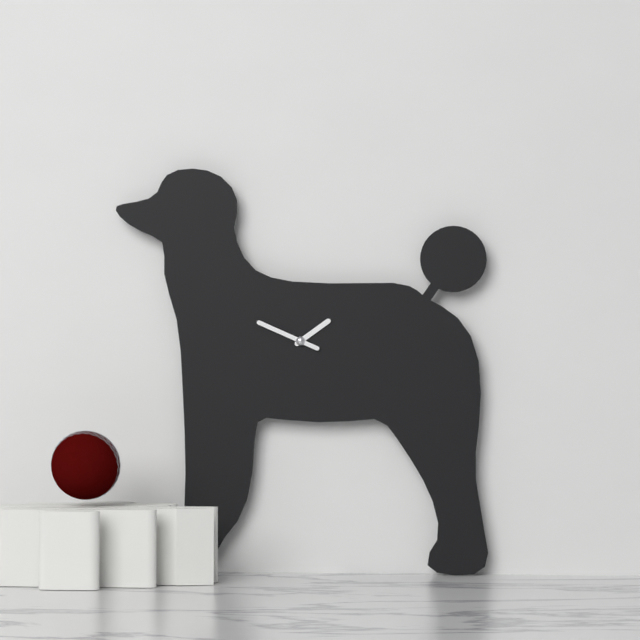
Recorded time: **1:49**
